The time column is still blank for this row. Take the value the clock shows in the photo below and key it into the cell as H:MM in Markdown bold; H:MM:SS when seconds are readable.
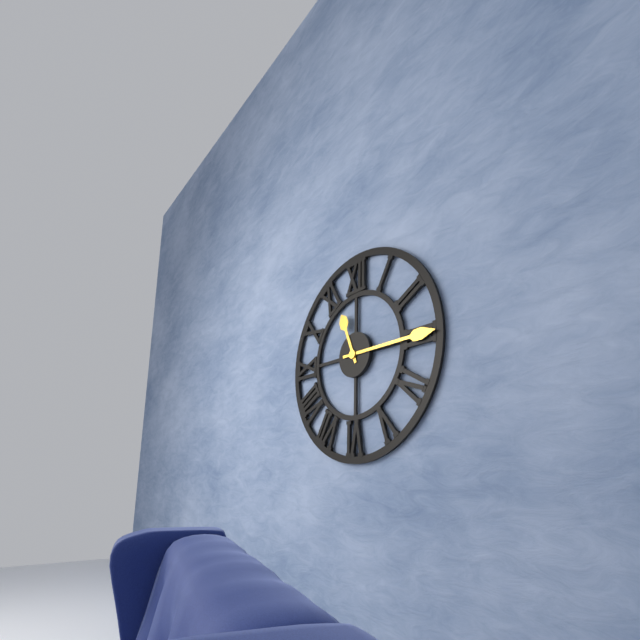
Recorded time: **11:15**
